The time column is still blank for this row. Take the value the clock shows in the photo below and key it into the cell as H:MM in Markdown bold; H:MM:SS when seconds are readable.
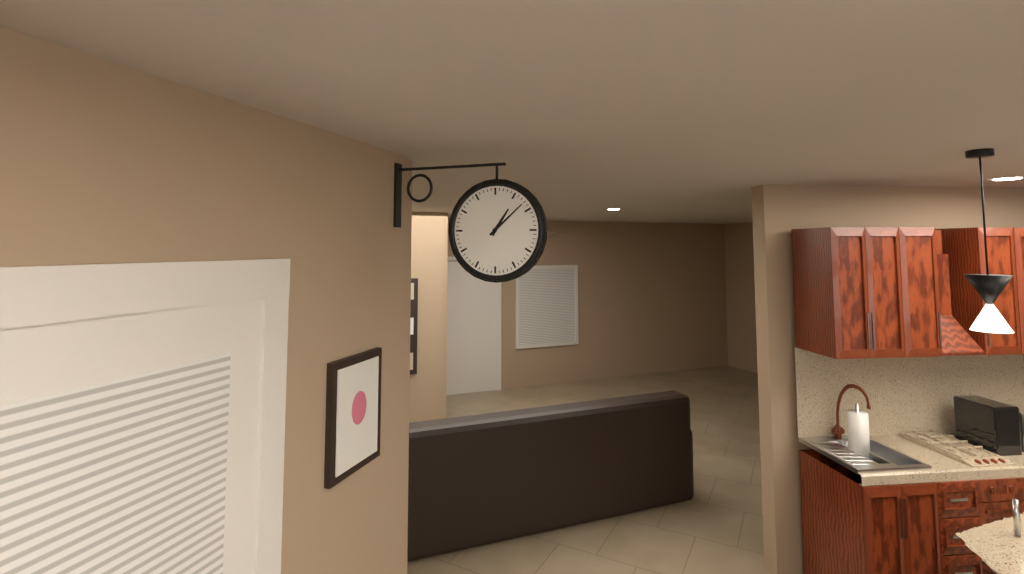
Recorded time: **1:08**
